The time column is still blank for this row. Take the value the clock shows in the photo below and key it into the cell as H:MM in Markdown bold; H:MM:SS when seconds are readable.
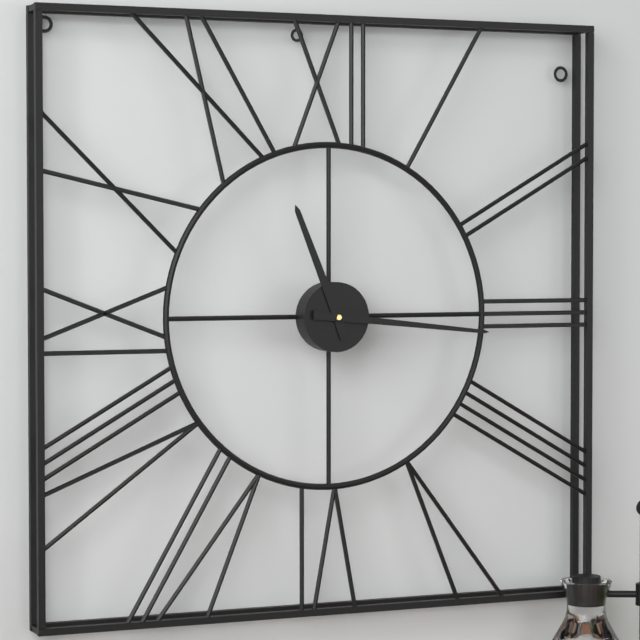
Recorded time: **11:16**
